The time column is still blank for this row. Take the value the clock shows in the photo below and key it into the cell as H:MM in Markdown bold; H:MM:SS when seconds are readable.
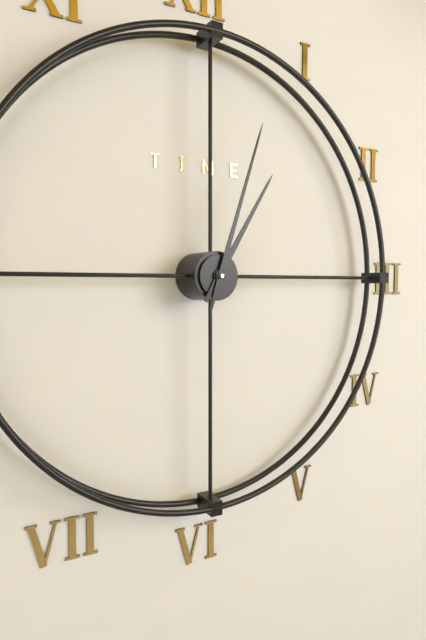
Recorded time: **1:03**
